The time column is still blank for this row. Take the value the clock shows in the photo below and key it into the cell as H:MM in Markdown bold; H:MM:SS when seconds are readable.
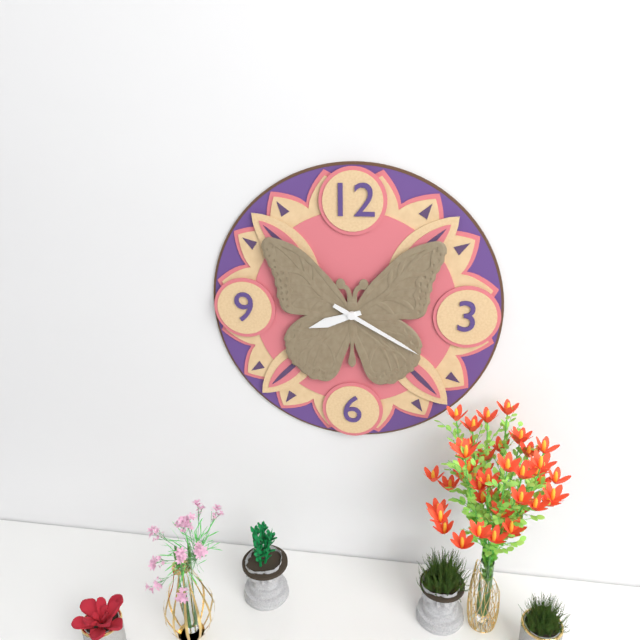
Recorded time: **8:20**
